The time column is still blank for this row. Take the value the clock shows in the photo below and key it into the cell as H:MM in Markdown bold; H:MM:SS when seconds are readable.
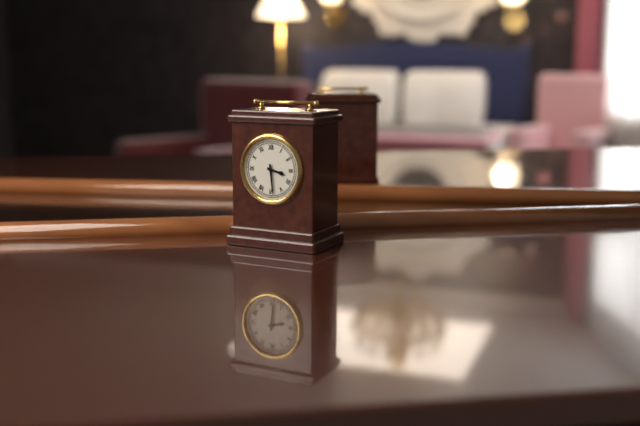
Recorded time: **3:29**
